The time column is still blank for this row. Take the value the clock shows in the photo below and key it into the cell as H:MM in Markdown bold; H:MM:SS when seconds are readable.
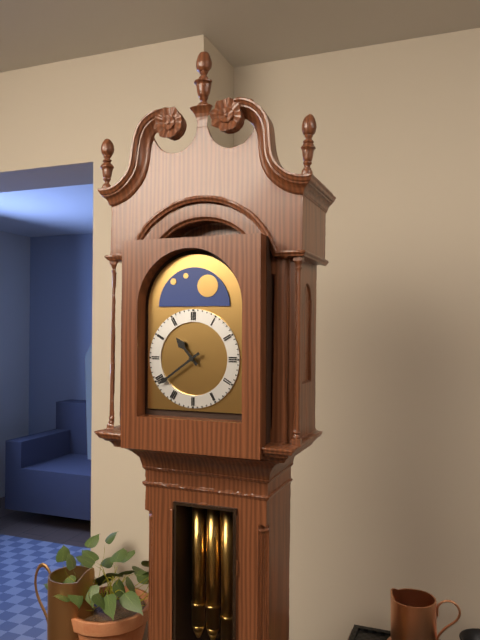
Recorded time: **10:39**
